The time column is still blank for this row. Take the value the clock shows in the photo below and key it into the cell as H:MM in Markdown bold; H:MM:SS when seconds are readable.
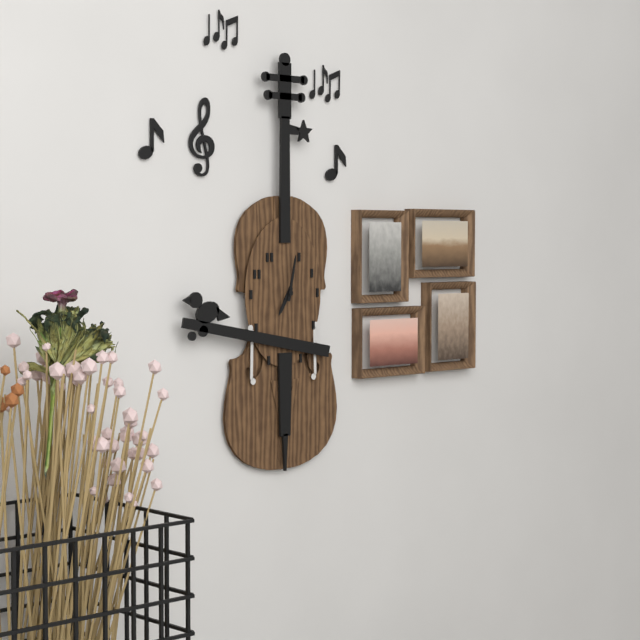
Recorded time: **7:02**
